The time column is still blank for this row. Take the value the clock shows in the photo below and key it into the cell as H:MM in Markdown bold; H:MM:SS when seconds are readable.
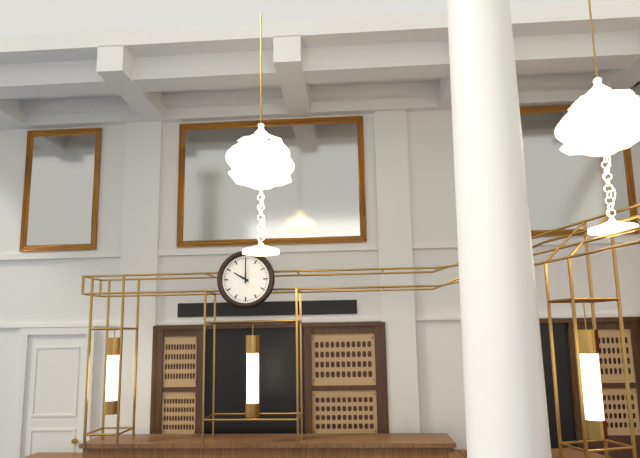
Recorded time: **10:00**
